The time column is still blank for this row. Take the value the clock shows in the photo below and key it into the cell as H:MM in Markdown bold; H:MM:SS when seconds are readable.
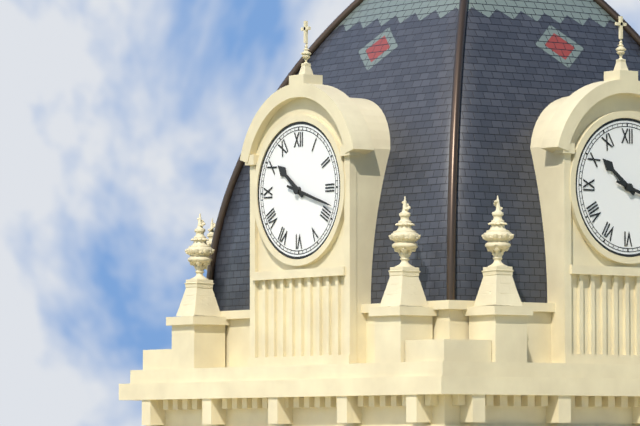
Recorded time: **10:18**
